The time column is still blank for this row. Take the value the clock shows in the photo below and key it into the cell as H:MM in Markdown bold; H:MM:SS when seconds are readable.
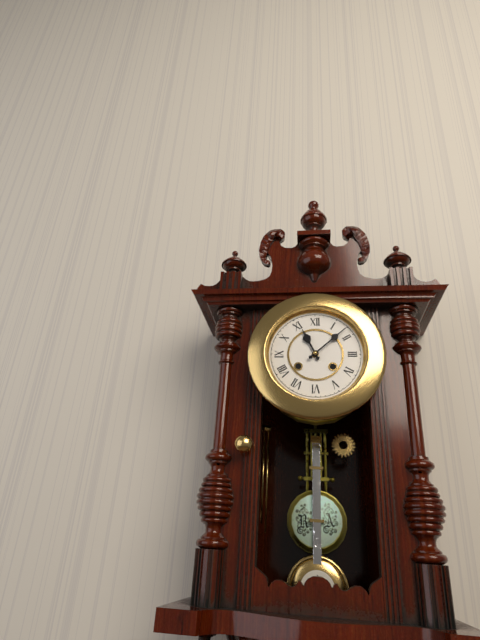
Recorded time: **11:08**
